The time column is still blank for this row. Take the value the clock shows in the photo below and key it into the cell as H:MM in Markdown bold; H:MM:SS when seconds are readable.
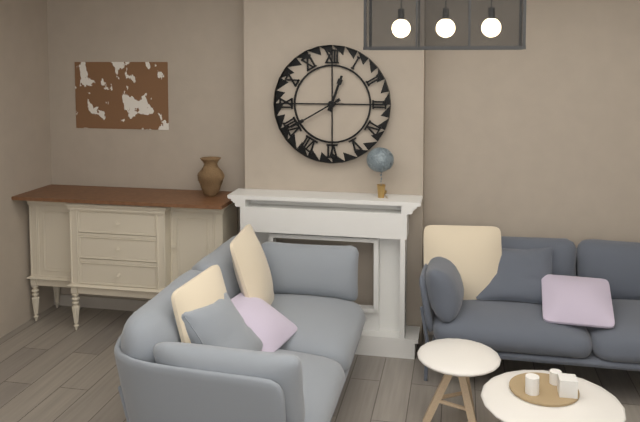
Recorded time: **12:40**
